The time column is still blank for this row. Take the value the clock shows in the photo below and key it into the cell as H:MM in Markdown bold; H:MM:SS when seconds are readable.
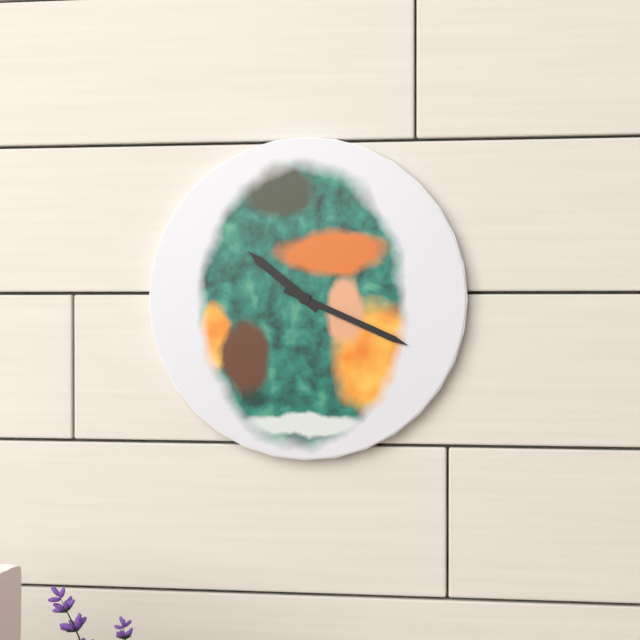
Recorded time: **10:19**
